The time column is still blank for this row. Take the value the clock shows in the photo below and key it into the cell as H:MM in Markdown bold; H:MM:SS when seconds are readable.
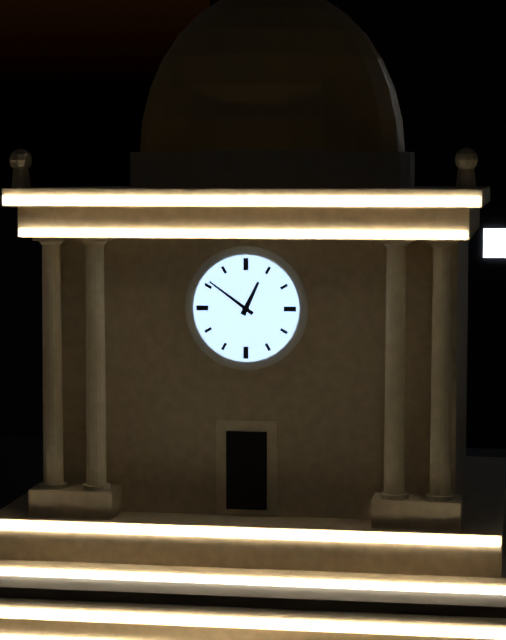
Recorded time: **12:51**
